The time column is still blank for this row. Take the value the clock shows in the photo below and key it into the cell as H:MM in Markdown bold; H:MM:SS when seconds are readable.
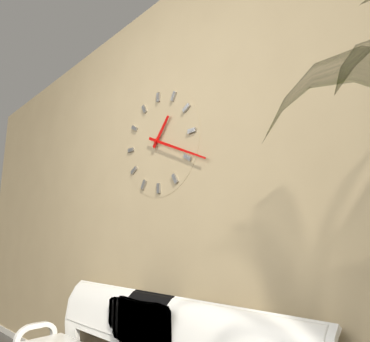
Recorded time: **1:19**
